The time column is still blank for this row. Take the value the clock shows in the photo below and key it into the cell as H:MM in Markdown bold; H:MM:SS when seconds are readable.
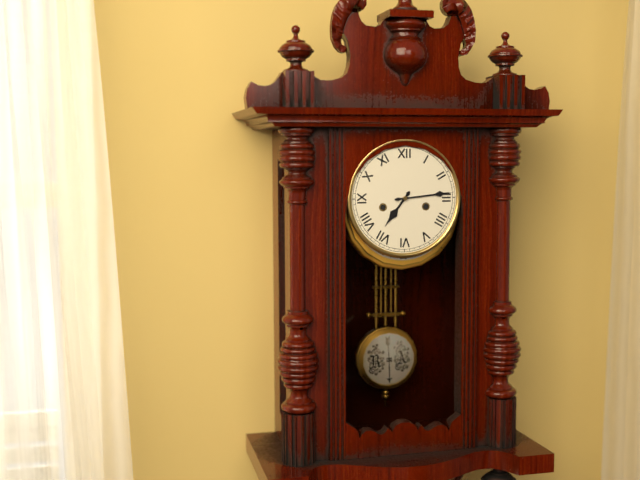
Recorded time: **7:14**
